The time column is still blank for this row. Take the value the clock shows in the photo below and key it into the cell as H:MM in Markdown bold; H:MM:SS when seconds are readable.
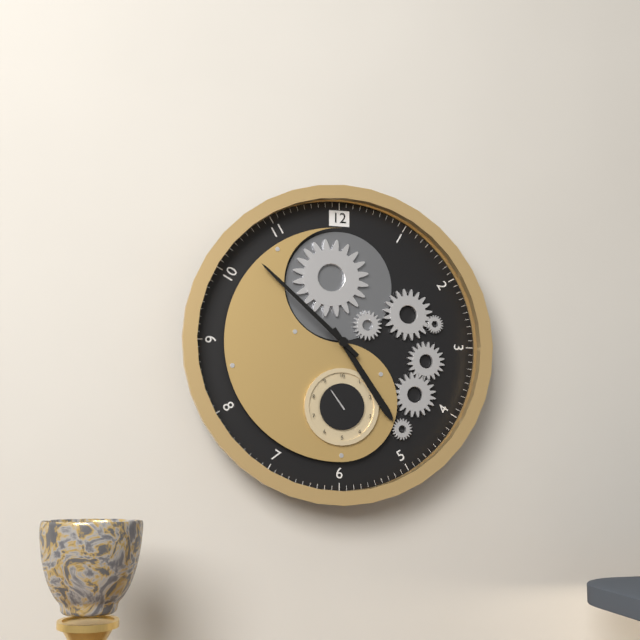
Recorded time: **4:52**
